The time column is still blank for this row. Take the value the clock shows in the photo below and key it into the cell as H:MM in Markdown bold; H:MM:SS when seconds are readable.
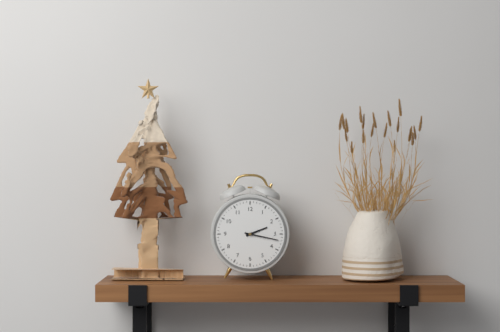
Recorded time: **2:17**
